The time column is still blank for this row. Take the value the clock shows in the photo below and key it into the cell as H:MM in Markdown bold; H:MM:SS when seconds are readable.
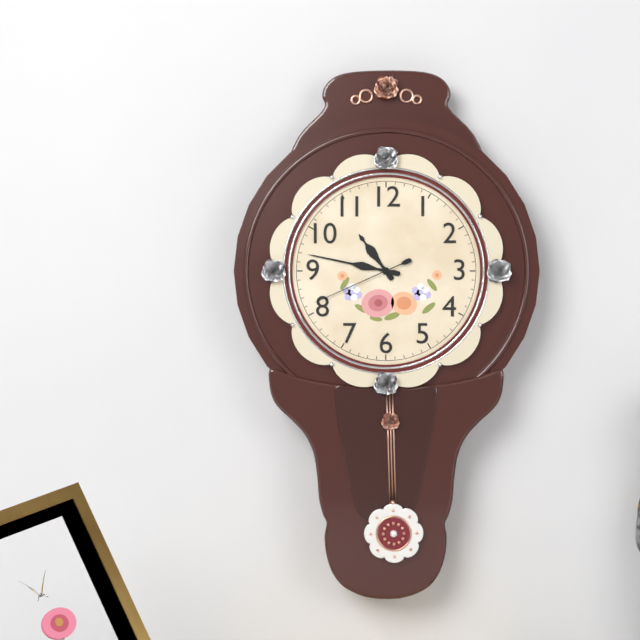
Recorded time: **10:47:41**
